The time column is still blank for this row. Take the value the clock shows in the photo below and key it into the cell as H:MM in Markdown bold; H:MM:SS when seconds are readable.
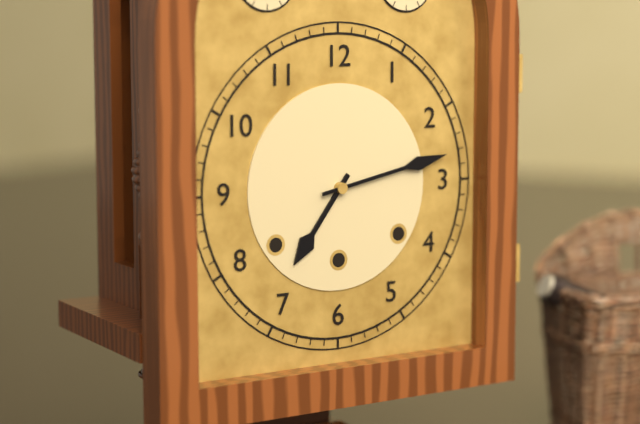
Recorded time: **7:13**
